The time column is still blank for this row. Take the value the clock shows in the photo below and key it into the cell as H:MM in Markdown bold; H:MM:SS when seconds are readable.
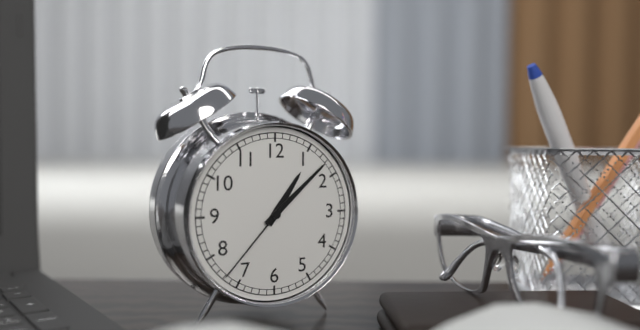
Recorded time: **1:08:37**
